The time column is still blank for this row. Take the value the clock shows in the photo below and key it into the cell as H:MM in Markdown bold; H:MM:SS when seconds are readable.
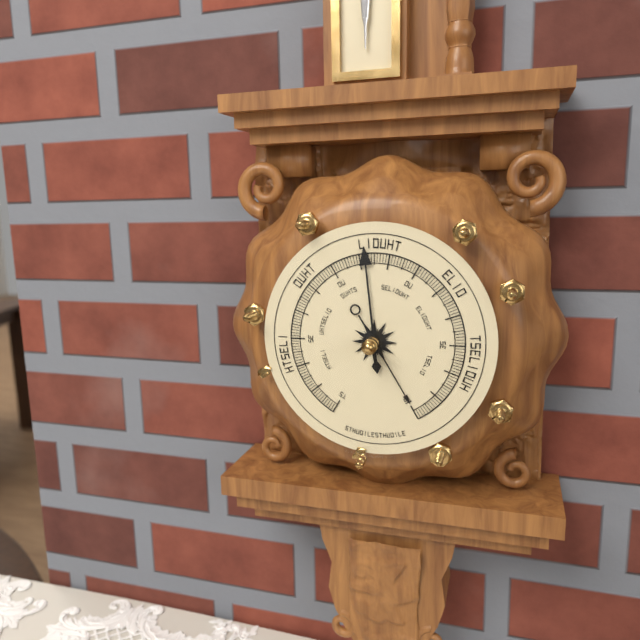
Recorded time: **4:59**
